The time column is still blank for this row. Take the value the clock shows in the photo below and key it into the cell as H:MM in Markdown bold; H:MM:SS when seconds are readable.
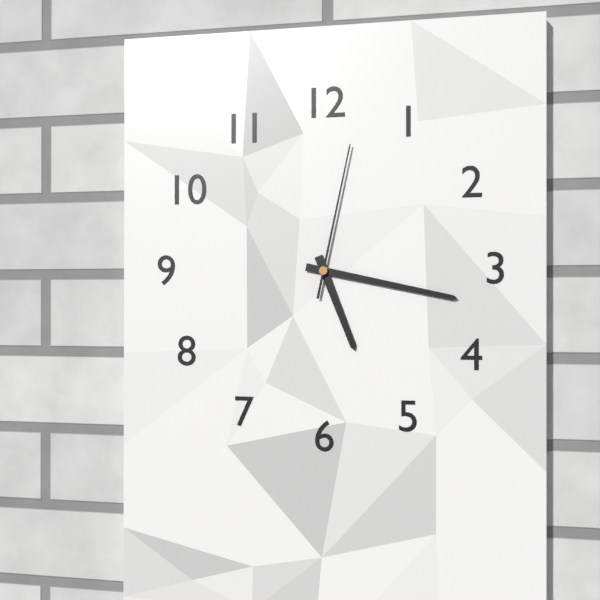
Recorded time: **5:17:02**
